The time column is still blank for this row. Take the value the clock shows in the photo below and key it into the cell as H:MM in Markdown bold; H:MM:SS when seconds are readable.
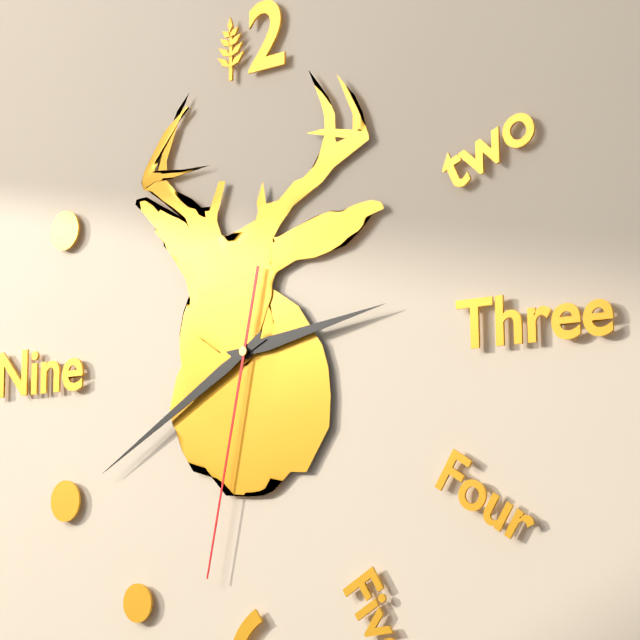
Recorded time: **2:40:32**
